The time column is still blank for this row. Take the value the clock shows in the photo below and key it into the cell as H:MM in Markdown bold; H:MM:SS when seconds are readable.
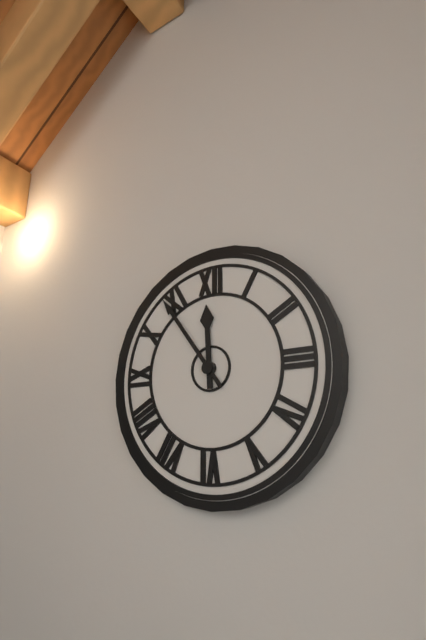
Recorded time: **11:54**
